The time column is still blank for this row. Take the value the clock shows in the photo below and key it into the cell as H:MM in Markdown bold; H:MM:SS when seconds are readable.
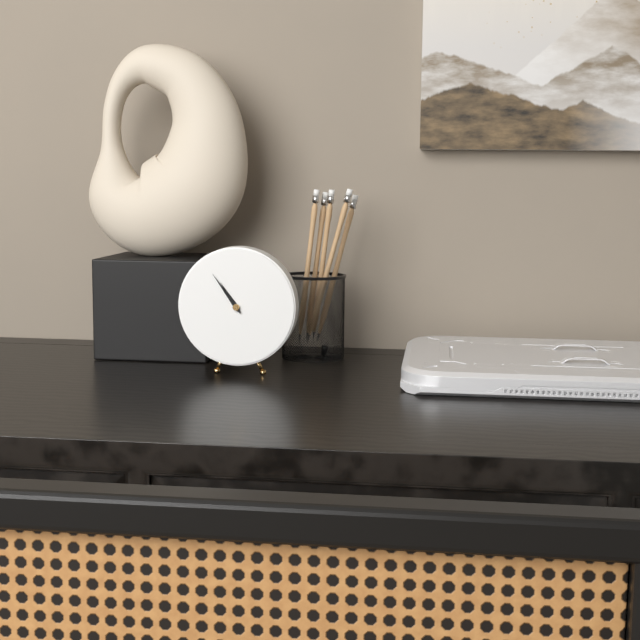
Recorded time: **10:54**
